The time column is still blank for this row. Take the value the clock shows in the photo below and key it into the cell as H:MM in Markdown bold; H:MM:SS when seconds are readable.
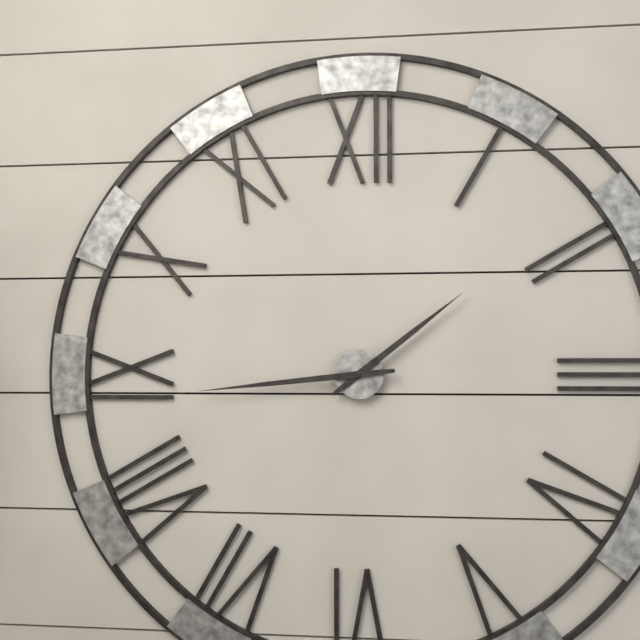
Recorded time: **1:44**
